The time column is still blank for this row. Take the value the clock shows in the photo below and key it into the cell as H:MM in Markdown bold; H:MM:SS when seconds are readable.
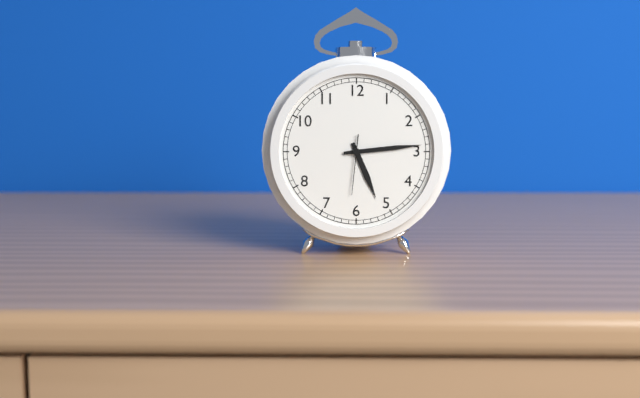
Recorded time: **5:14:31**
